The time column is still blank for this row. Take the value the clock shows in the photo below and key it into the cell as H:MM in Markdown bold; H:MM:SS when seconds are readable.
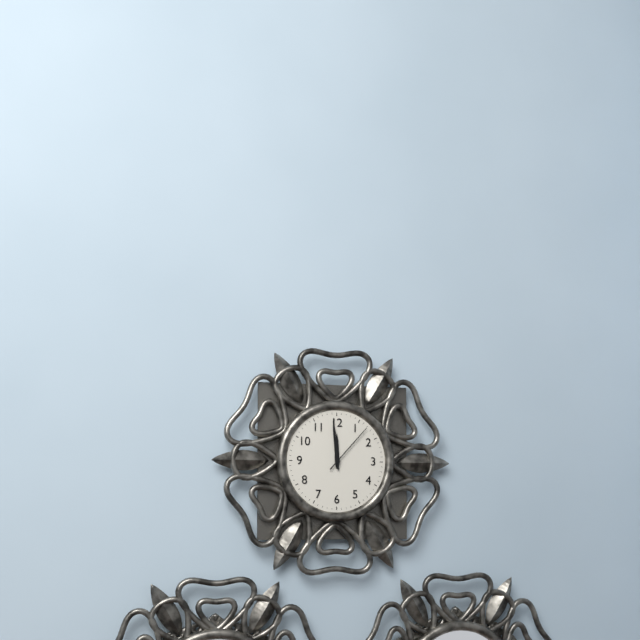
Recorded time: **11:59:07**
